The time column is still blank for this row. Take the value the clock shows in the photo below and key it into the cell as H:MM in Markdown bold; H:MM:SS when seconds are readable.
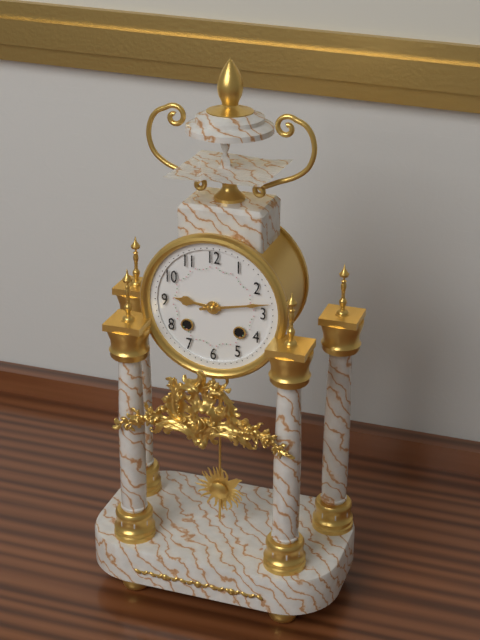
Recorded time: **9:13**
